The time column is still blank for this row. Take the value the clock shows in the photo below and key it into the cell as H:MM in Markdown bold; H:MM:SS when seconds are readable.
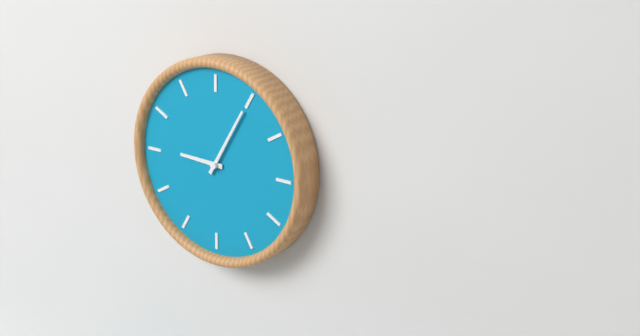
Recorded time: **9:05**
